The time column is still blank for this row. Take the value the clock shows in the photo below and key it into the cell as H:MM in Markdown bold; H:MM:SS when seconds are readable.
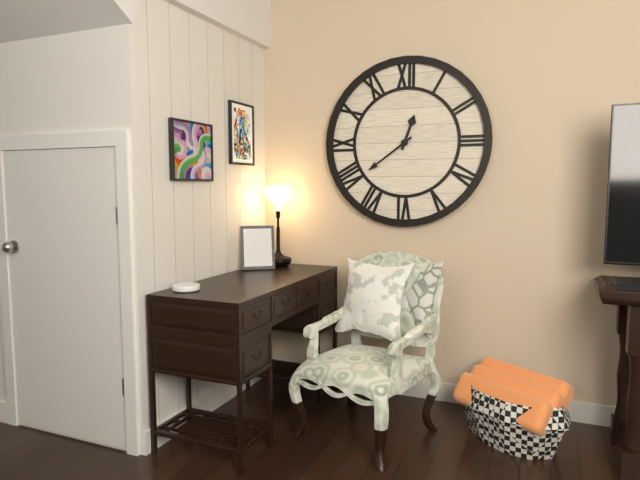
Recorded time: **12:39**
